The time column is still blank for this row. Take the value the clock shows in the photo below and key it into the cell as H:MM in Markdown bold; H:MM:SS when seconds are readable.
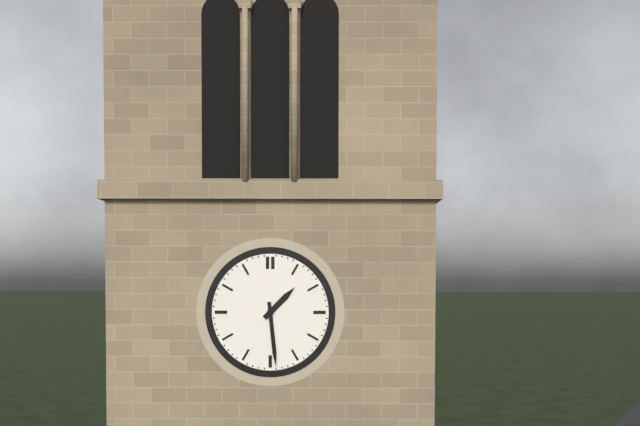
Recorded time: **1:29**
